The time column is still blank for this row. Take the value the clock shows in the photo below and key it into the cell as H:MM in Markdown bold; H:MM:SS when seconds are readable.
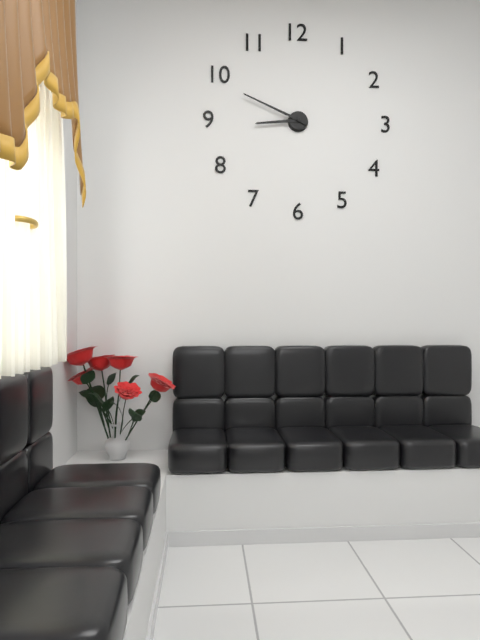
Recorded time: **8:49**
